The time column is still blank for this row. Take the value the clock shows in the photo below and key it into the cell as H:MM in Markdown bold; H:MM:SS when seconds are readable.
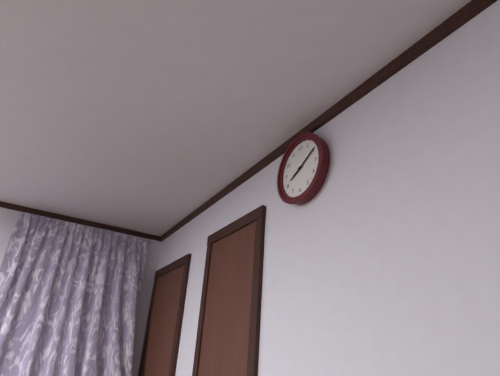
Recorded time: **8:10**
